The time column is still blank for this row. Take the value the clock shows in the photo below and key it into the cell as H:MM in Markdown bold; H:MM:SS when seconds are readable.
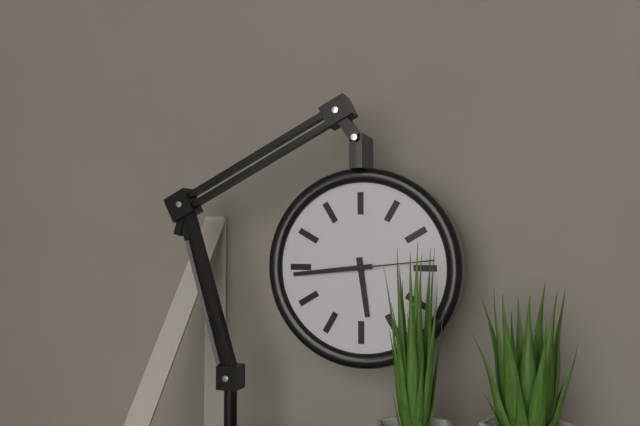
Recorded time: **5:44:14**
